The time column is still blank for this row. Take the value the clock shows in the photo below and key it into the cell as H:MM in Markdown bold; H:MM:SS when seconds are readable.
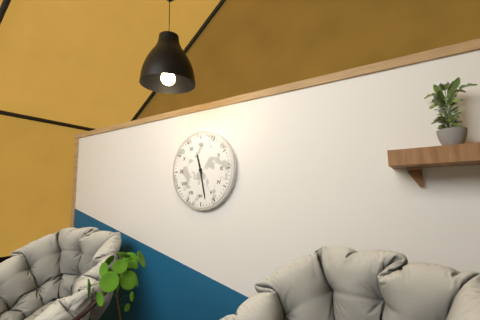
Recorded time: **11:28**
